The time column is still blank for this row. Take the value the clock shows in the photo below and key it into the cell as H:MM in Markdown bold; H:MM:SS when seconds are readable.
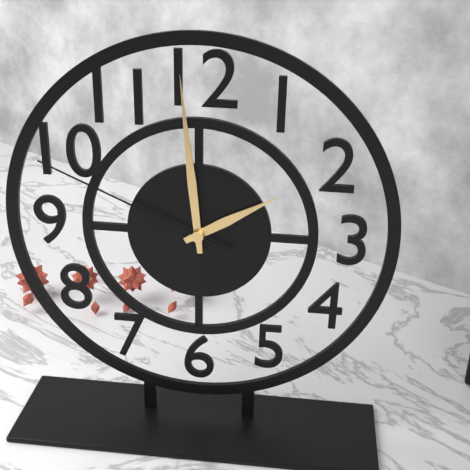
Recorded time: **1:59:49**
